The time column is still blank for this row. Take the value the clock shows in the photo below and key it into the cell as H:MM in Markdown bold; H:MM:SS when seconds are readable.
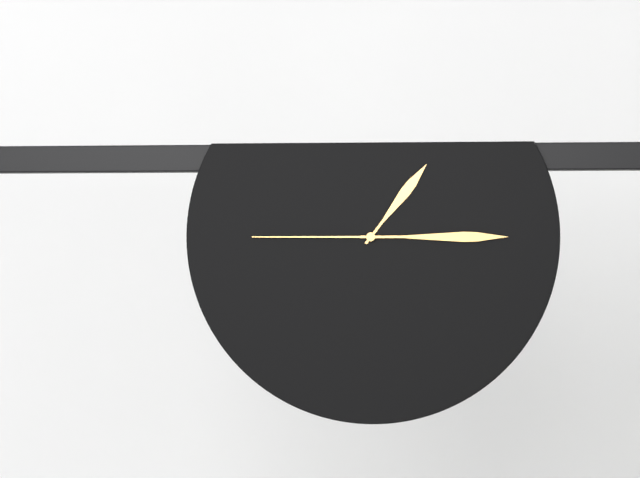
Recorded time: **1:15:45**
